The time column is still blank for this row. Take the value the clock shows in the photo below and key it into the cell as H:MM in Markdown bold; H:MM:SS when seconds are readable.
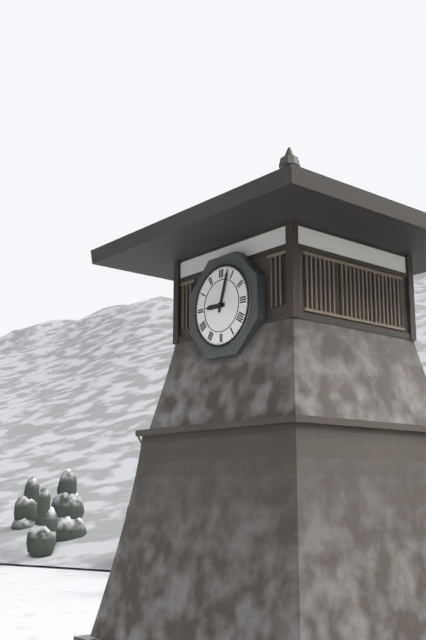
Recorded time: **9:03**
